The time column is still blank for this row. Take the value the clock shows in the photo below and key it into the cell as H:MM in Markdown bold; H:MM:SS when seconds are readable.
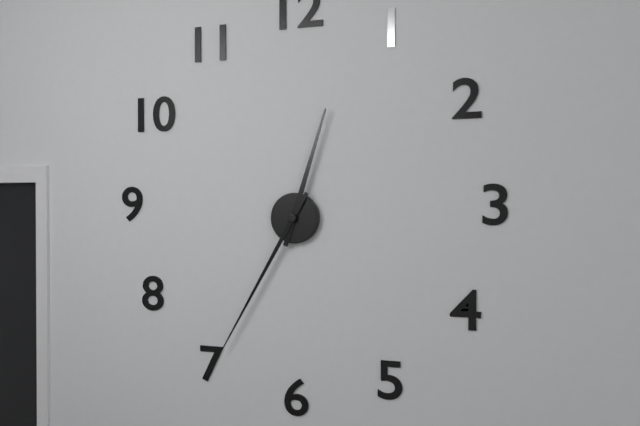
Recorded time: **12:35**
